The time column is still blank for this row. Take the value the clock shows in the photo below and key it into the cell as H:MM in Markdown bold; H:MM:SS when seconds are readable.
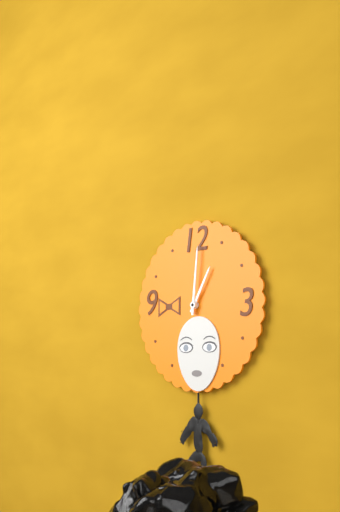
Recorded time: **1:01**
